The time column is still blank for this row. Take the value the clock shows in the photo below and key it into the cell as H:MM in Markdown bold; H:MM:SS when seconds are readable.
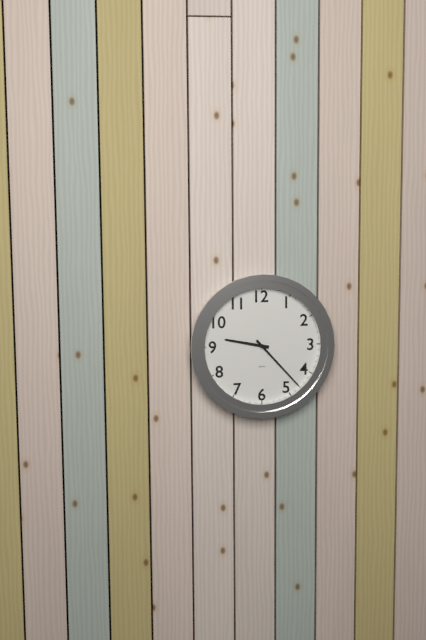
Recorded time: **9:23**
